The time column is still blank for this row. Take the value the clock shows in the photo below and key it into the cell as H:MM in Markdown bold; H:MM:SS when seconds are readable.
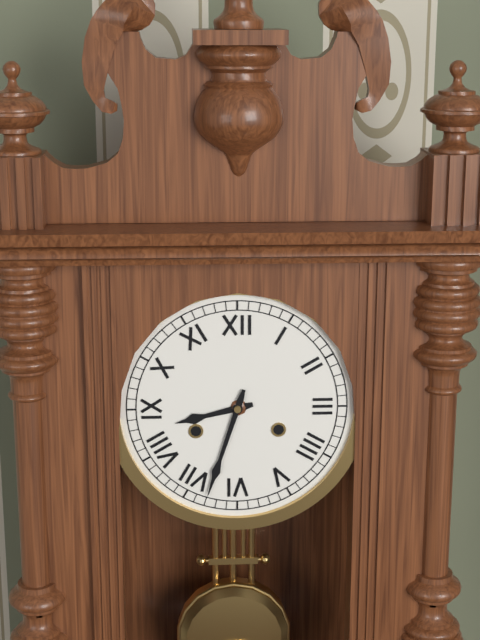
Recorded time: **8:33**
